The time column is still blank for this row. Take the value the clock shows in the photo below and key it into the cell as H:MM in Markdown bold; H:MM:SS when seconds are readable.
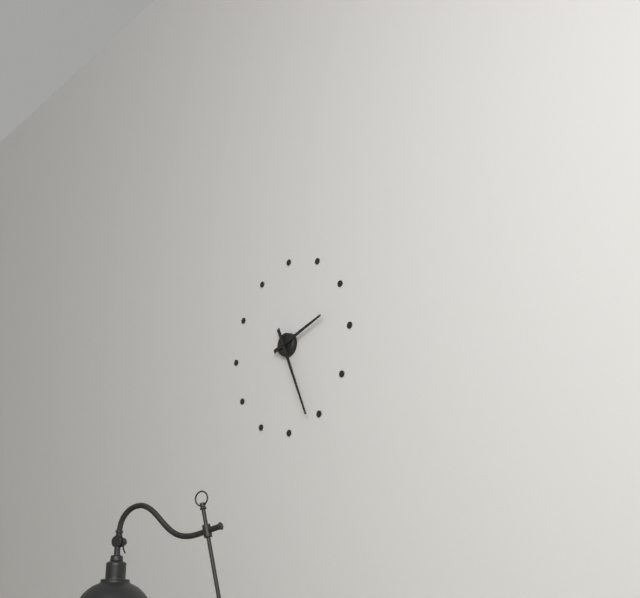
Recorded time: **2:26**
